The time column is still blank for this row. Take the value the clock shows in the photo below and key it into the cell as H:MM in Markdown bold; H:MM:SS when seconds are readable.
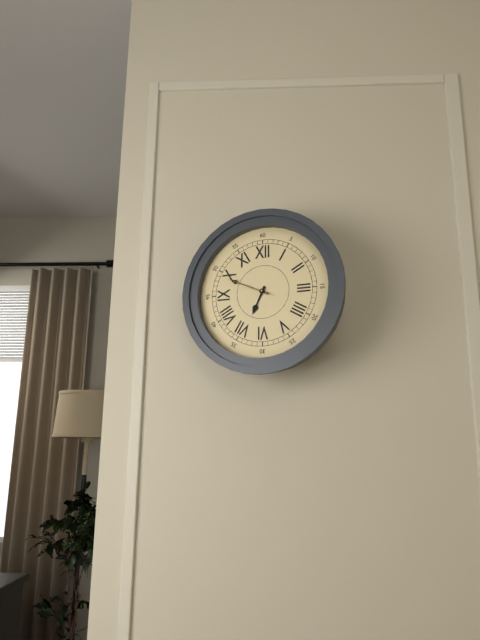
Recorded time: **6:49**
